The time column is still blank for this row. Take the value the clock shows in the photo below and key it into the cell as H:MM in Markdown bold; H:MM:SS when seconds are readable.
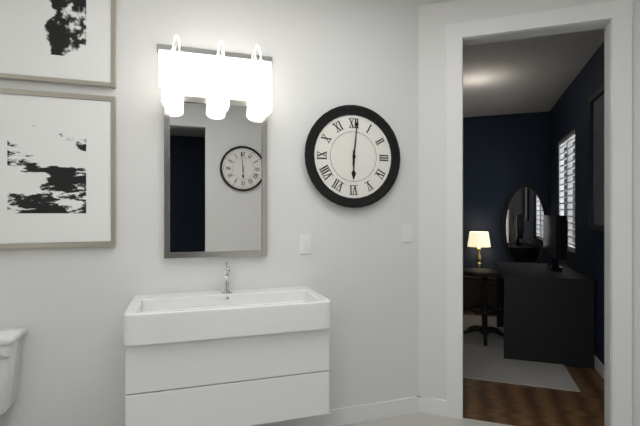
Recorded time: **6:01**
